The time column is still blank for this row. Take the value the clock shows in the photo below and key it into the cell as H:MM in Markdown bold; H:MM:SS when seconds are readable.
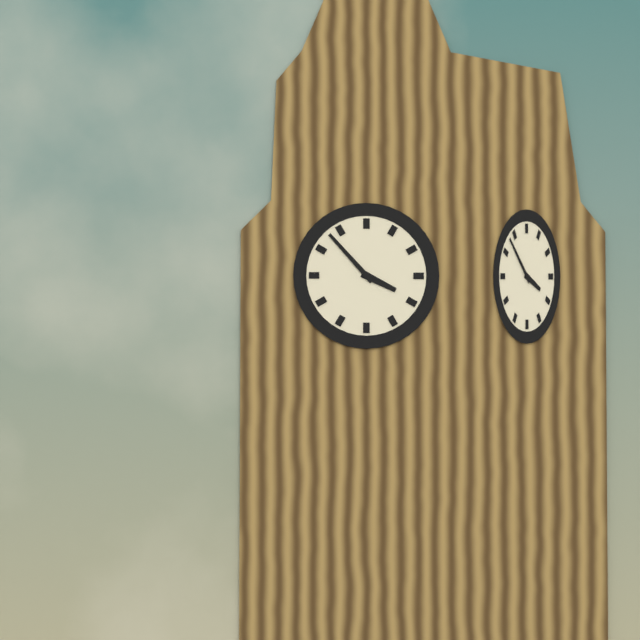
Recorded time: **3:53**
